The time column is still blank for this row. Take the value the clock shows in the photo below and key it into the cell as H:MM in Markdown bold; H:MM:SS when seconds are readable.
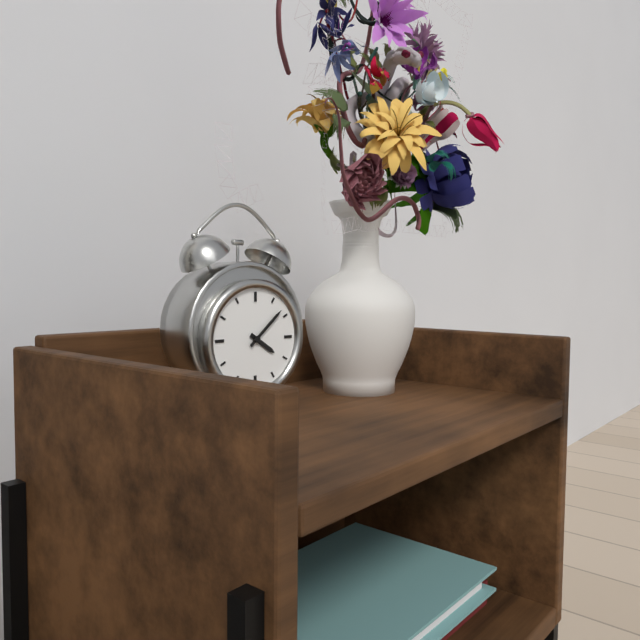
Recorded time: **4:08**
